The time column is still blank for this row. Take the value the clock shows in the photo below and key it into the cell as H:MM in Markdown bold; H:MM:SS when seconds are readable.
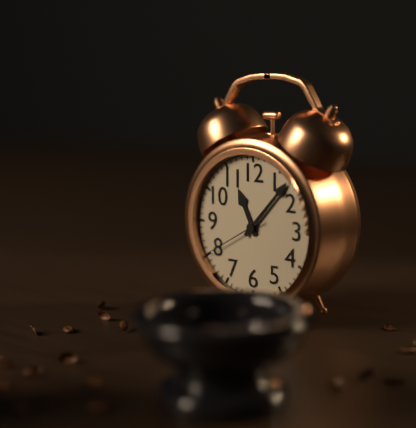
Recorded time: **11:07:40**
